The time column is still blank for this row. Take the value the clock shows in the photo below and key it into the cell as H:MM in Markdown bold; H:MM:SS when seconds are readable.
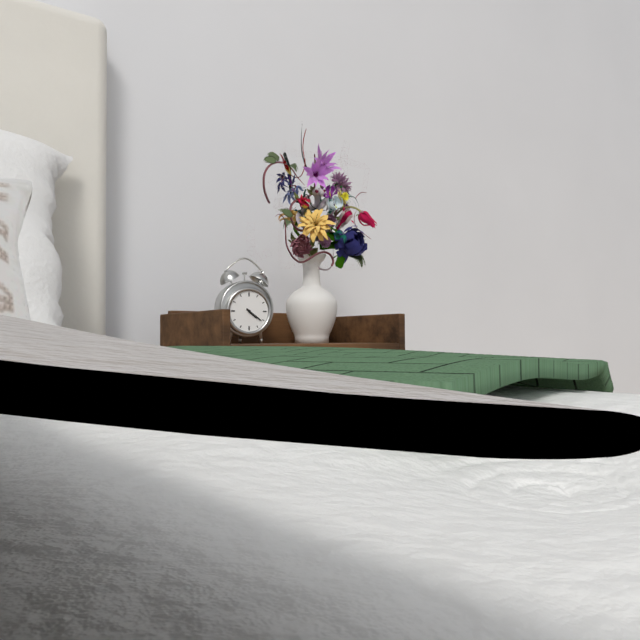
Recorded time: **4:21**
